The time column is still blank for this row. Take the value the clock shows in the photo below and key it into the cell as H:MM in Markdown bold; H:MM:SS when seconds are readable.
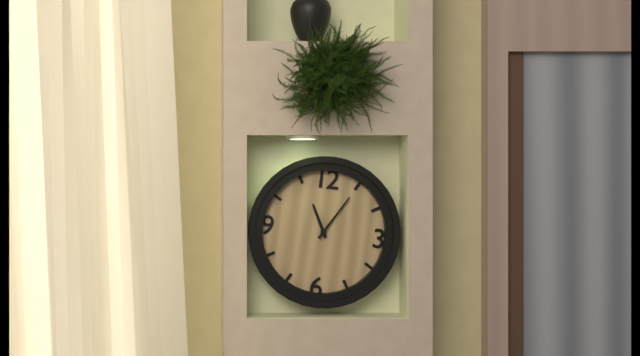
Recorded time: **11:05**
